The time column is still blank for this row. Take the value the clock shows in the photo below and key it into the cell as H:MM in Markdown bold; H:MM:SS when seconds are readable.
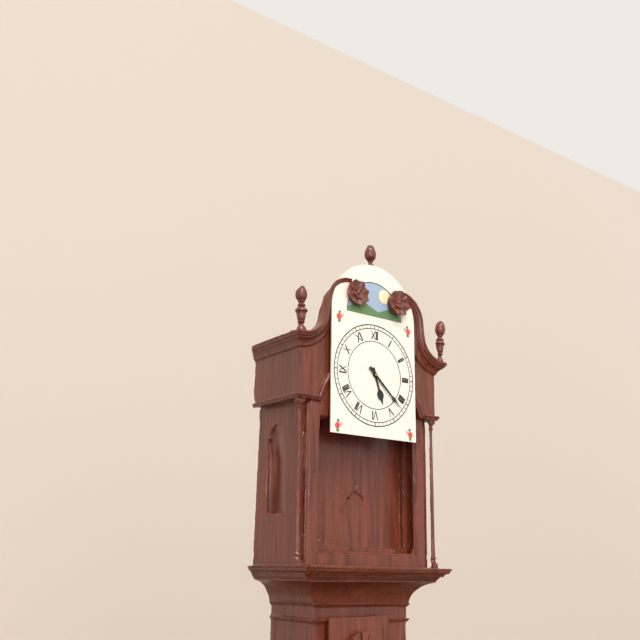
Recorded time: **5:22**
